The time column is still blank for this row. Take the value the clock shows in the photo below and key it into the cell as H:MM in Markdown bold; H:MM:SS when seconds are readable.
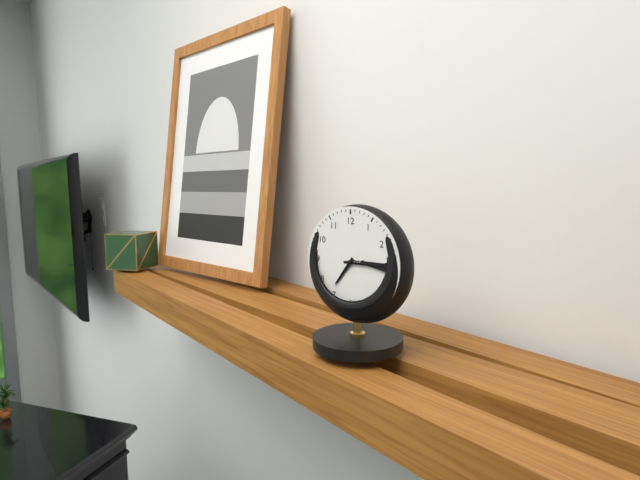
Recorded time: **7:15**
